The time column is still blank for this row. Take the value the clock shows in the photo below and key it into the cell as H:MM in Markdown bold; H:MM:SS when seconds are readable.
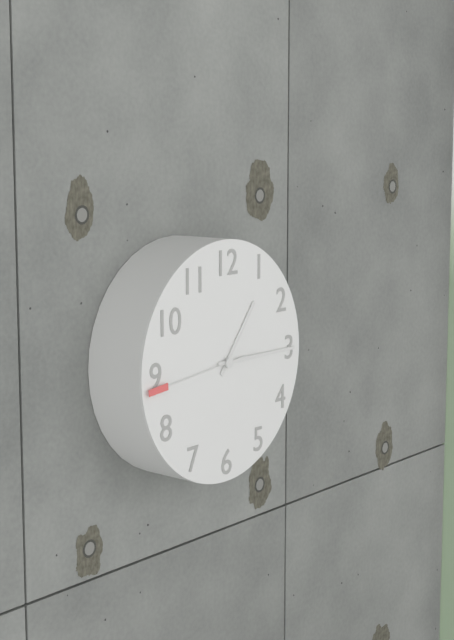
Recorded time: **1:15:44**
